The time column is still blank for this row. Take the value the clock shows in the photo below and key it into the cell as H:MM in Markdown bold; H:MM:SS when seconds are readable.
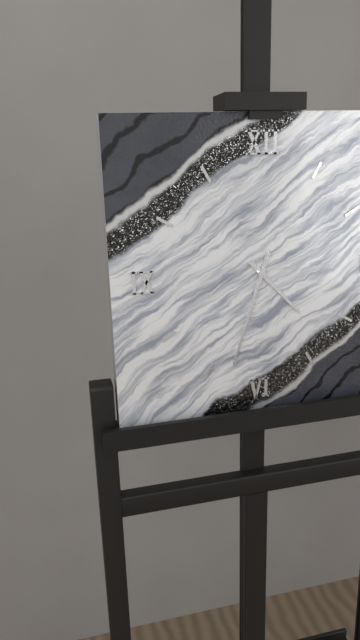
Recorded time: **4:33**
